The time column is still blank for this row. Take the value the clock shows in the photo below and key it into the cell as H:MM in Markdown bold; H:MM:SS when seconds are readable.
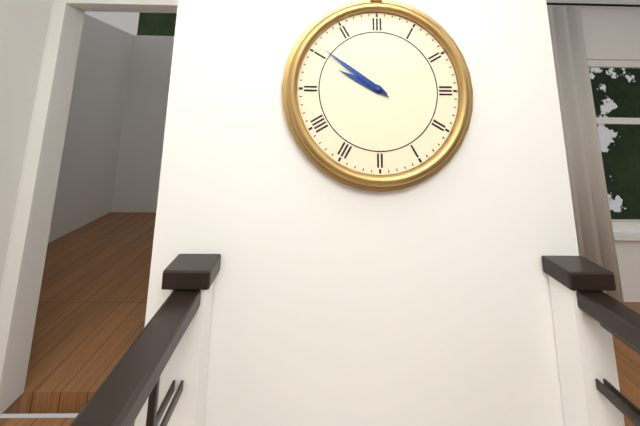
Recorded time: **9:51**
